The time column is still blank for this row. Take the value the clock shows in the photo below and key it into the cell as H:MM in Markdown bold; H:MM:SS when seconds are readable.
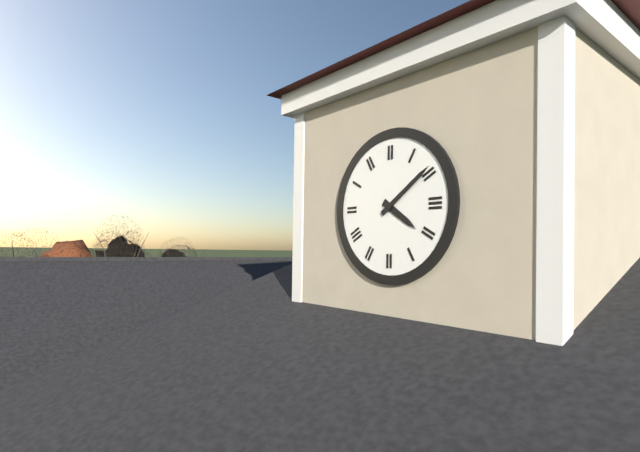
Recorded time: **4:09**
